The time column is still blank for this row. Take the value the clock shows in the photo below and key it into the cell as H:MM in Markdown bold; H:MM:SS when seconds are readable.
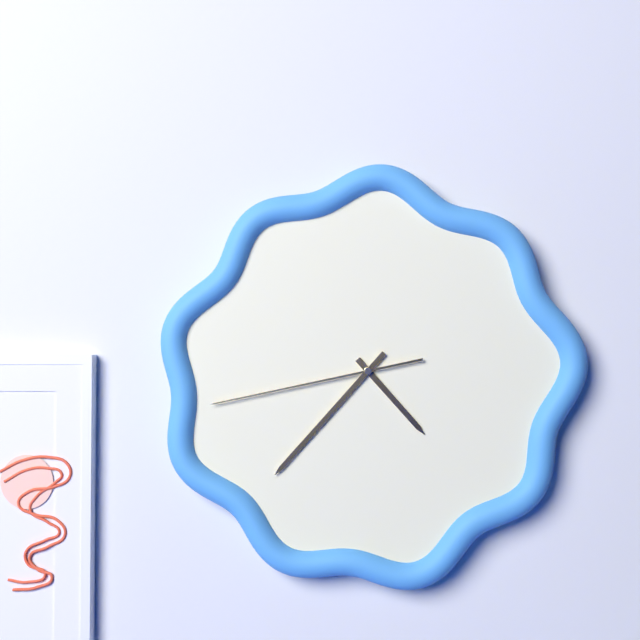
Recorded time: **4:37:43**
